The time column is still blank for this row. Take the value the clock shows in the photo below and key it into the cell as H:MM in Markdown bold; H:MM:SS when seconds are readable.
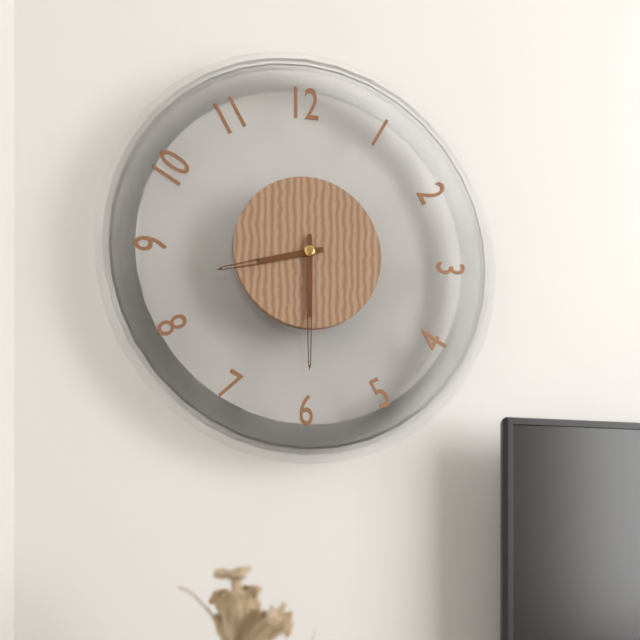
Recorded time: **8:30**
